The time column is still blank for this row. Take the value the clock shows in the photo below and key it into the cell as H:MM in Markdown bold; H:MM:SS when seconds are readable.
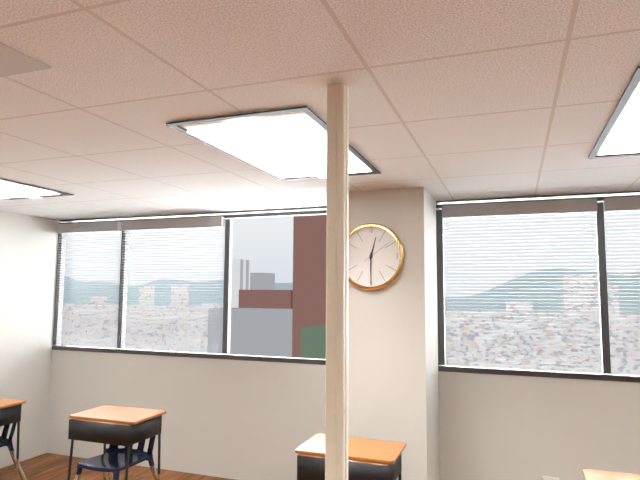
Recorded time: **12:30**
